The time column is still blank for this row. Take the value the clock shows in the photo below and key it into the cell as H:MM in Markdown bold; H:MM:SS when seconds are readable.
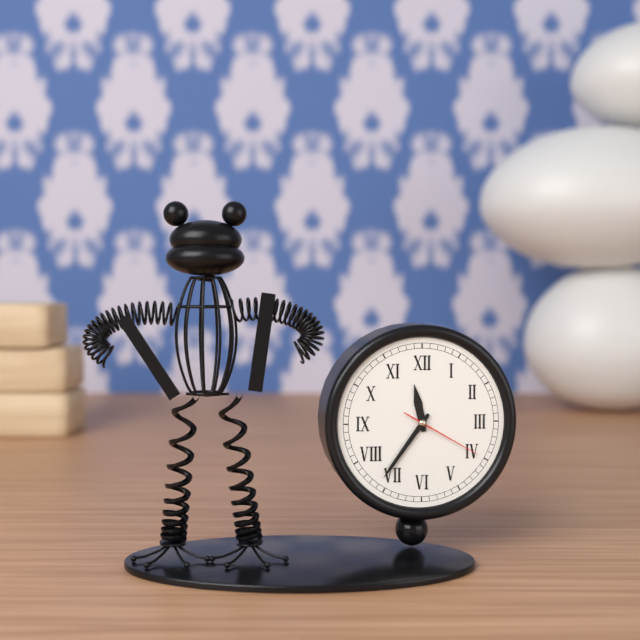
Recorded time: **11:36:20**
